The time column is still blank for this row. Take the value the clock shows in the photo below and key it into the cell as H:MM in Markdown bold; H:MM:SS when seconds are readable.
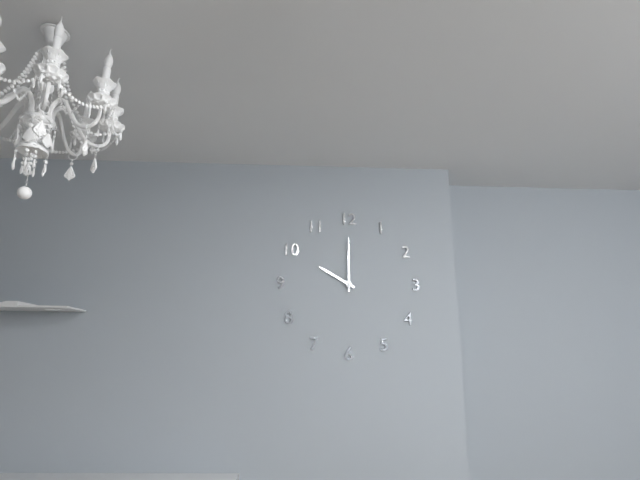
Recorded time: **10:00**
